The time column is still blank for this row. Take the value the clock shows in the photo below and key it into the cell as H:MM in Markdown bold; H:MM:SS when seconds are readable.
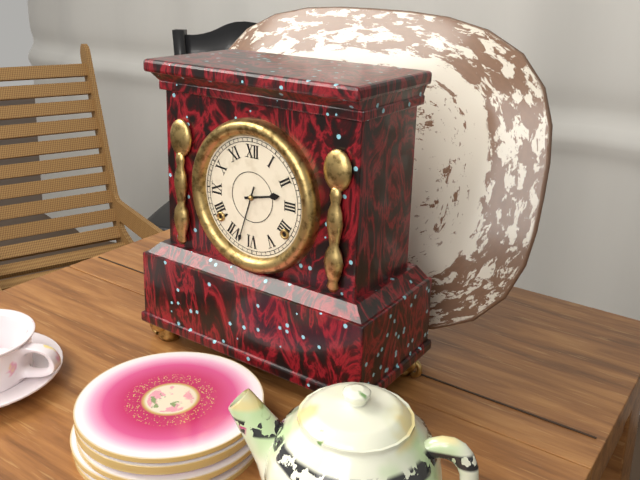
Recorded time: **2:33**
